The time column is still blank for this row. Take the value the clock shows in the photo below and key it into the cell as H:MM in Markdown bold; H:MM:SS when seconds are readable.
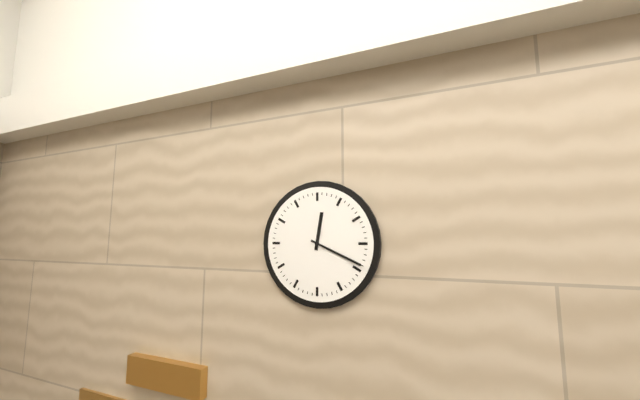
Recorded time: **12:19**
